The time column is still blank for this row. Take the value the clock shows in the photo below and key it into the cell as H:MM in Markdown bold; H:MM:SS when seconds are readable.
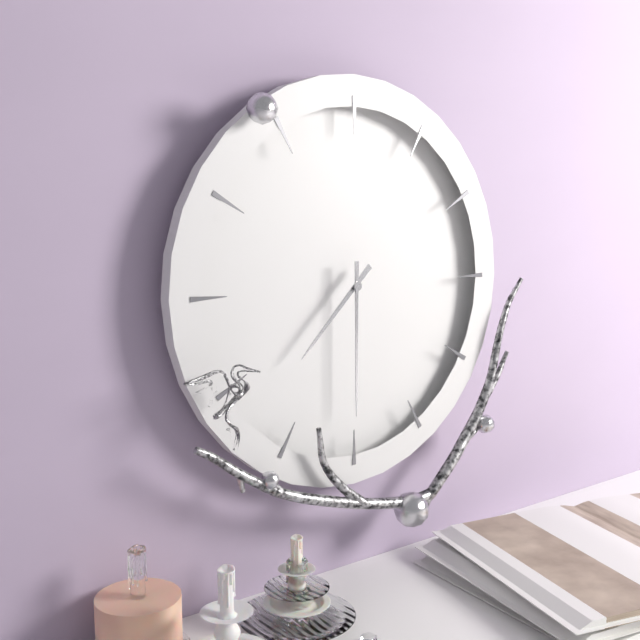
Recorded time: **7:30**
